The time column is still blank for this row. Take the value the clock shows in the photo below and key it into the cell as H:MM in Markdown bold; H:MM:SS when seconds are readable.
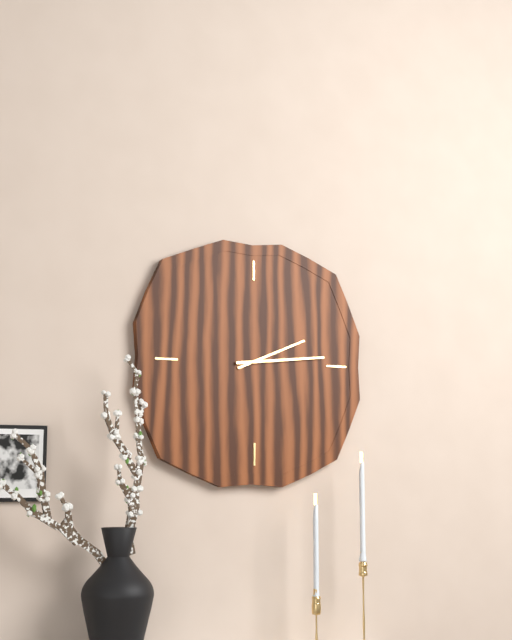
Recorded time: **2:14**
